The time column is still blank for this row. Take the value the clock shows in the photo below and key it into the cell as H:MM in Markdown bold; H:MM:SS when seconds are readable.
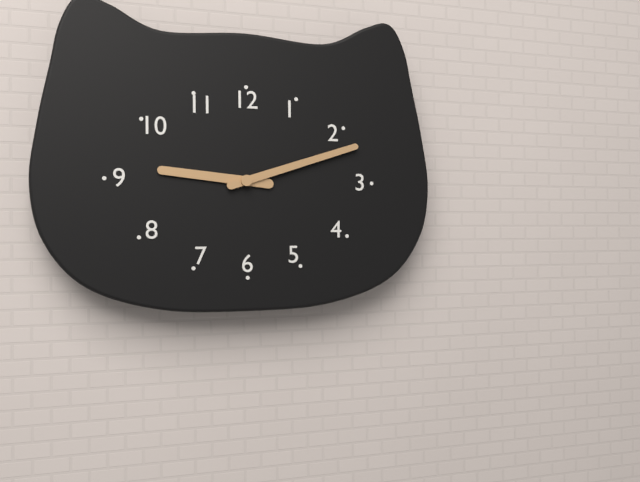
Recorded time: **9:12**
